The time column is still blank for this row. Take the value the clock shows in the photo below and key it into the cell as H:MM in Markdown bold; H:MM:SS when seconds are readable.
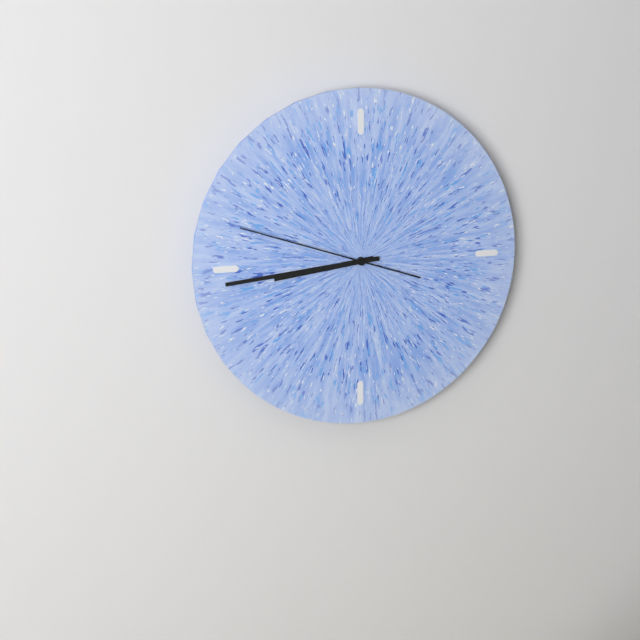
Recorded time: **8:44:48**
